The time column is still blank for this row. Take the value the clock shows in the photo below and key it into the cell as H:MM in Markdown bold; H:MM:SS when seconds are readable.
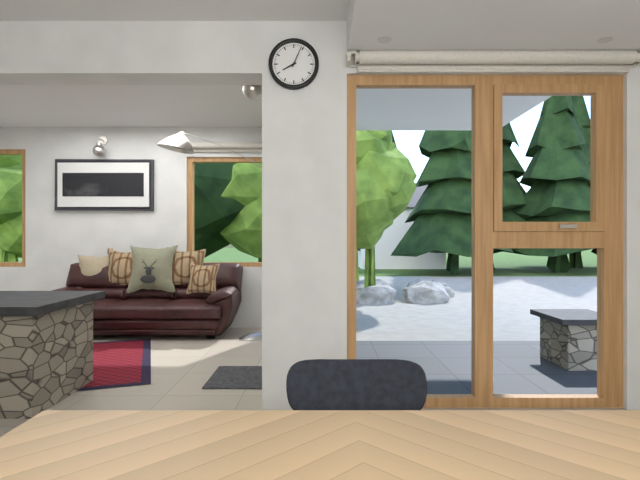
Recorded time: **8:04**
